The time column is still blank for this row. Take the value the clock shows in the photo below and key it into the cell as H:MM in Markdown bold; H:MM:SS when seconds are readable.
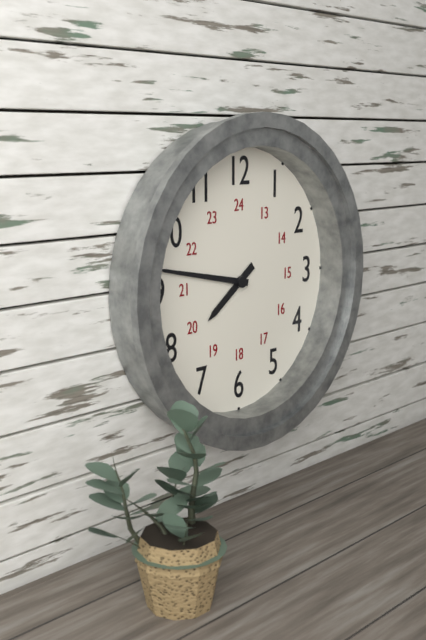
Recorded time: **7:47**
